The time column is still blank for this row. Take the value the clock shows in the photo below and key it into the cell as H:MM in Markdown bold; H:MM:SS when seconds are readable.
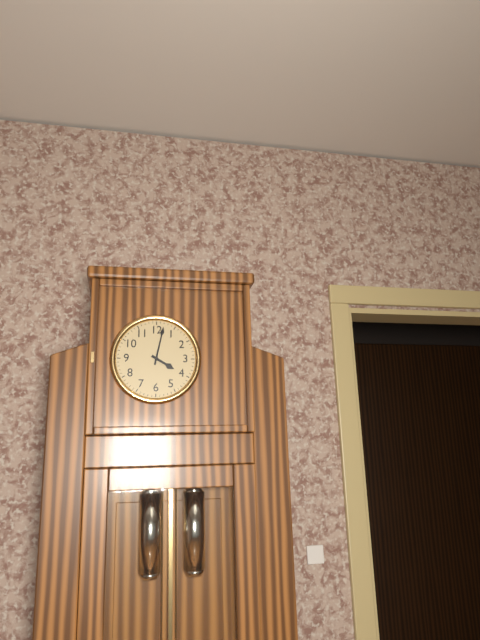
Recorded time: **4:02**
